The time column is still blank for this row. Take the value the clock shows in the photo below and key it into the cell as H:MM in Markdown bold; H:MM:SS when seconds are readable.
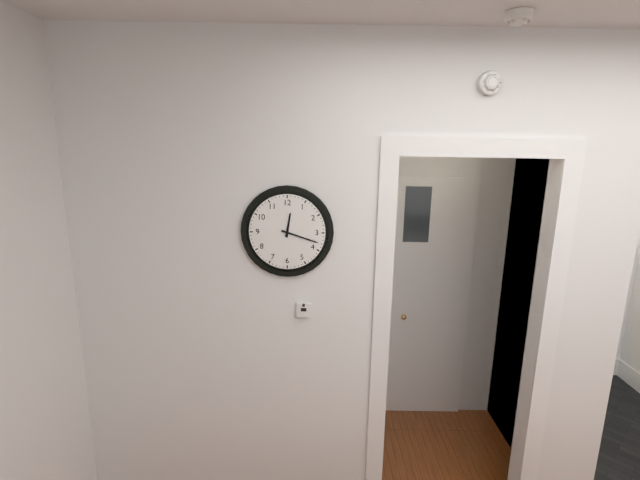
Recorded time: **12:18**
